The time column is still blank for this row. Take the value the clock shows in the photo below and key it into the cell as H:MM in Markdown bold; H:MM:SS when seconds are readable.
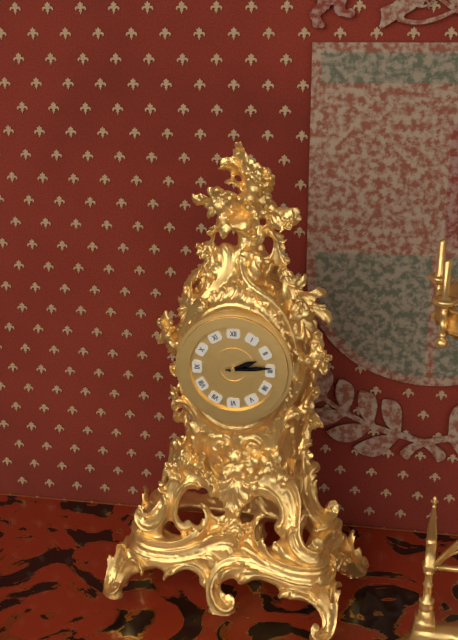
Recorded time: **2:14**
